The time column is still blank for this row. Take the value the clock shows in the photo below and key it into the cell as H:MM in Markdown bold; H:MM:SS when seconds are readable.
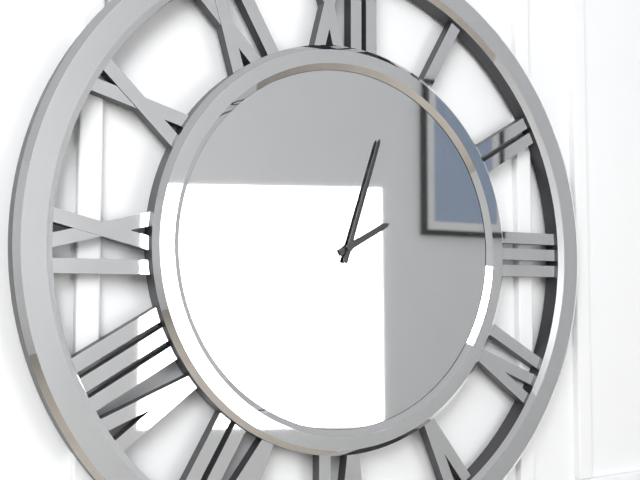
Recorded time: **2:03**
